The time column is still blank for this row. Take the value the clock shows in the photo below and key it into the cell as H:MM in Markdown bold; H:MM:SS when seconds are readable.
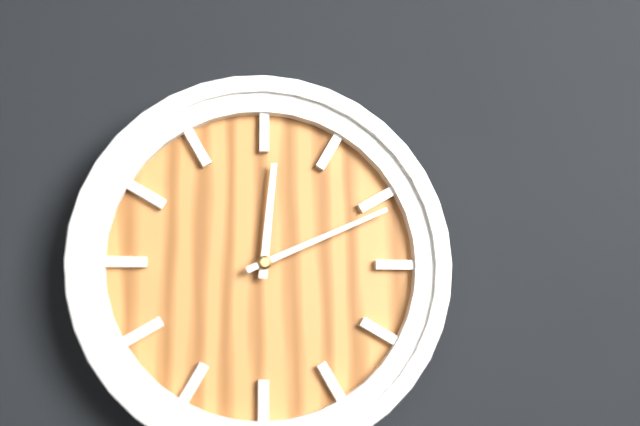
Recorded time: **12:11**
